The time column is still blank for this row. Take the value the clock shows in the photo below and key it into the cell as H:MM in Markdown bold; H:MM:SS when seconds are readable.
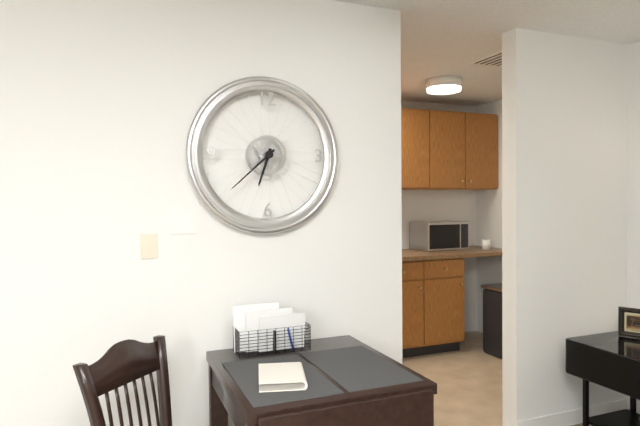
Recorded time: **6:38**
